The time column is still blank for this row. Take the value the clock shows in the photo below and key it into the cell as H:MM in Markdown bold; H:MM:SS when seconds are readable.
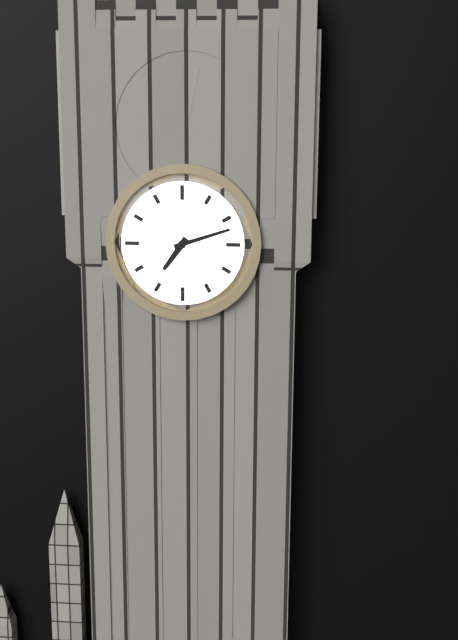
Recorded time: **7:12**
